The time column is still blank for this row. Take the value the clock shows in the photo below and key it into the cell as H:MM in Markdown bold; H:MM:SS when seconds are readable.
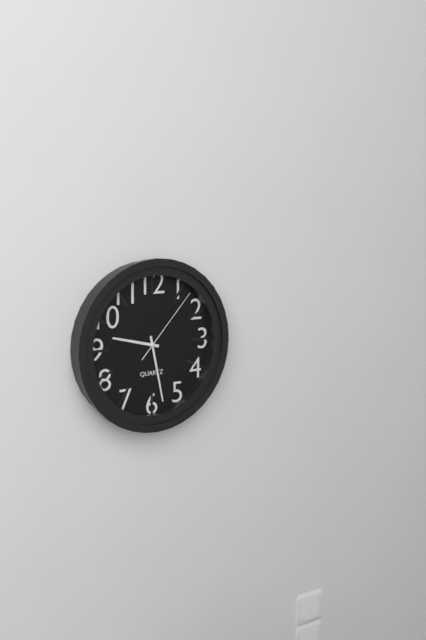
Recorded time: **9:28:07**
